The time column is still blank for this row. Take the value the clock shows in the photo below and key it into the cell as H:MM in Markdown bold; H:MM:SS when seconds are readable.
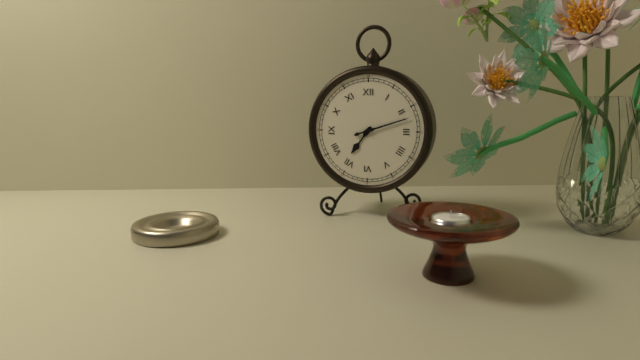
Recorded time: **7:12**
